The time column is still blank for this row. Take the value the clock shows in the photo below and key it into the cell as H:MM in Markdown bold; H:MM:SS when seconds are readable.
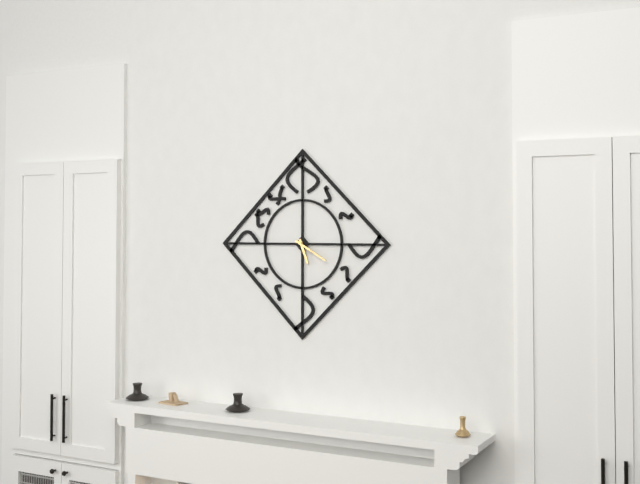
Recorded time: **5:20**
